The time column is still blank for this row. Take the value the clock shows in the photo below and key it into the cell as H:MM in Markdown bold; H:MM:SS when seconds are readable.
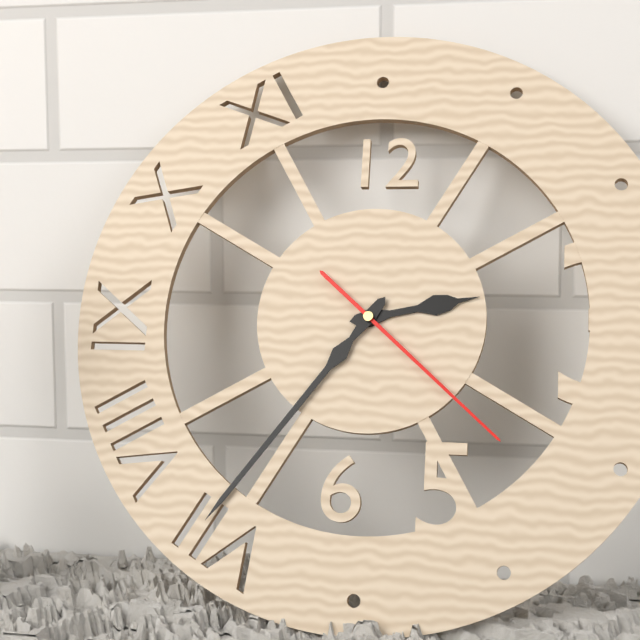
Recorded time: **2:36:22**
